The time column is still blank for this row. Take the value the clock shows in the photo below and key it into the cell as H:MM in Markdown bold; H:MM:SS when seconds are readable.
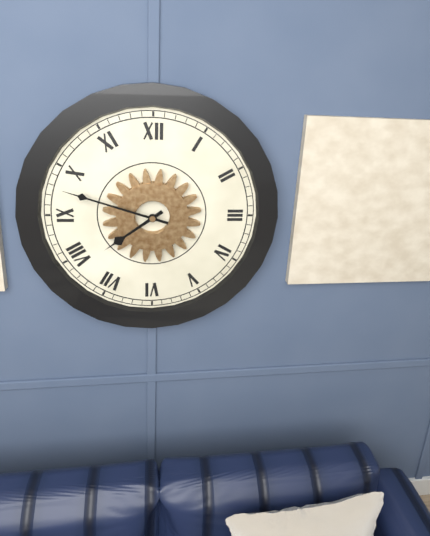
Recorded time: **7:48**
